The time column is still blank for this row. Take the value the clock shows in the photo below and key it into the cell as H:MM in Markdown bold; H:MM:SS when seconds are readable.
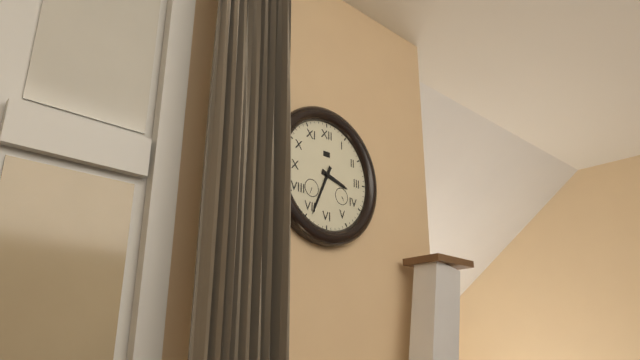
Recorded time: **3:34**
